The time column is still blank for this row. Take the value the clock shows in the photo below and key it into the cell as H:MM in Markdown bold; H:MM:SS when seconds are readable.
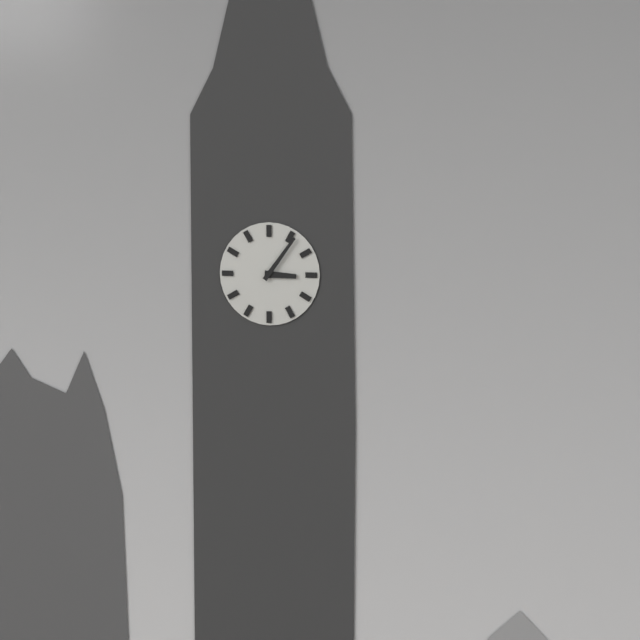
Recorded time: **3:06**
